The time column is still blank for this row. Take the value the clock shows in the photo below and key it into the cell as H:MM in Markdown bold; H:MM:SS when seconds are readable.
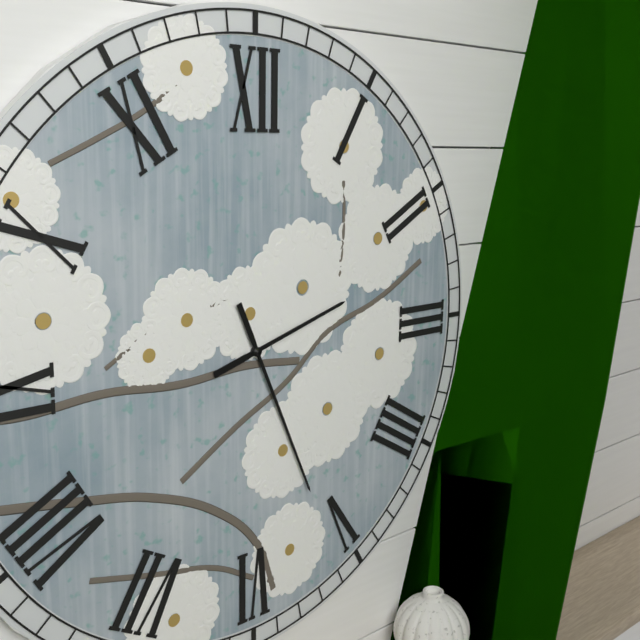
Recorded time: **2:26**
